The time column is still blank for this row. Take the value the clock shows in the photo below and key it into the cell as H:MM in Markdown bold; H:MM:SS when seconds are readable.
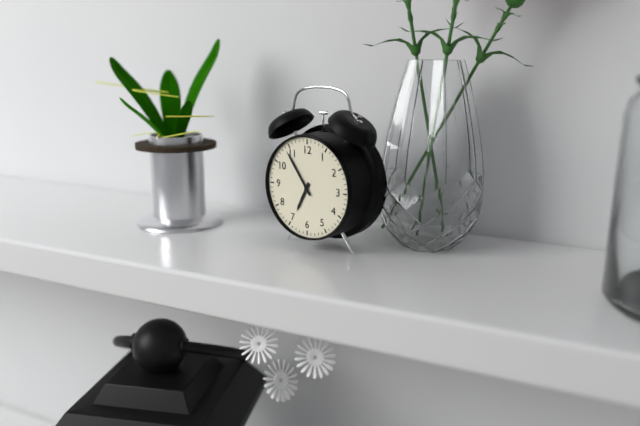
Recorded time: **6:54**
